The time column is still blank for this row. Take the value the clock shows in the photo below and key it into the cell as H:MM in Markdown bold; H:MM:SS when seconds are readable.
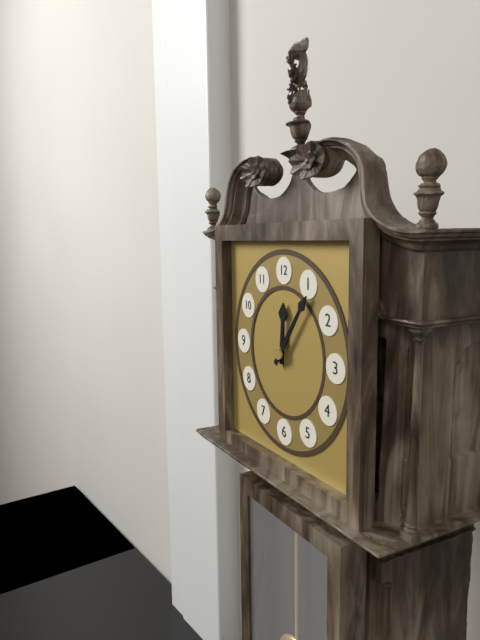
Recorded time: **12:06**
